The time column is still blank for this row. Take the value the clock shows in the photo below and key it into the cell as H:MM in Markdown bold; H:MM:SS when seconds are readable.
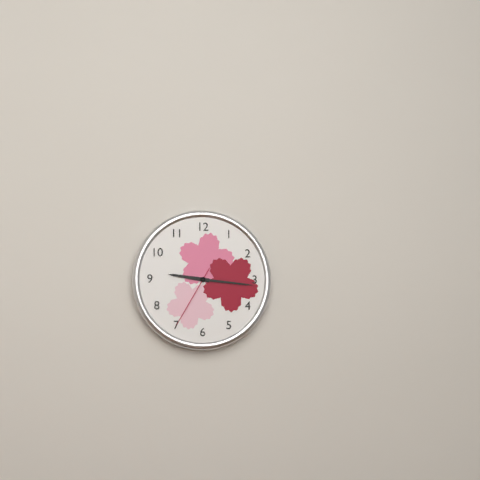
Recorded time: **9:16:35**
